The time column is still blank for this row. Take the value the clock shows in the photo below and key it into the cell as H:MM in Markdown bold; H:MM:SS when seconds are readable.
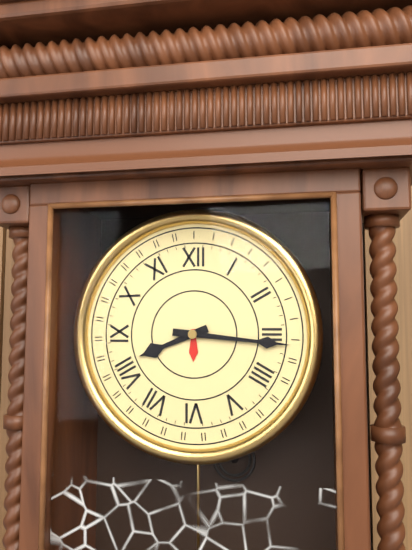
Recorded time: **8:16**
